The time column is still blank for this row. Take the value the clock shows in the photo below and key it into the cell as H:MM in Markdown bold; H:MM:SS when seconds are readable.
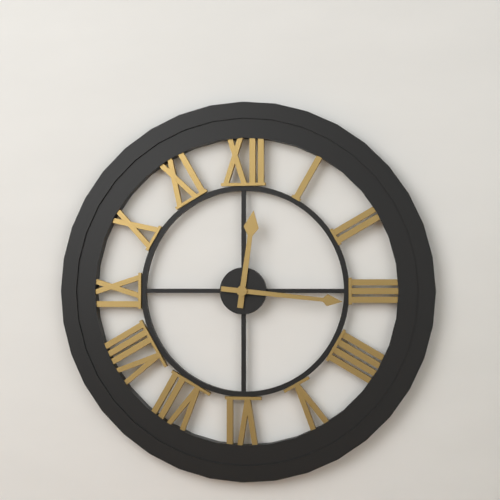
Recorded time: **12:16**
